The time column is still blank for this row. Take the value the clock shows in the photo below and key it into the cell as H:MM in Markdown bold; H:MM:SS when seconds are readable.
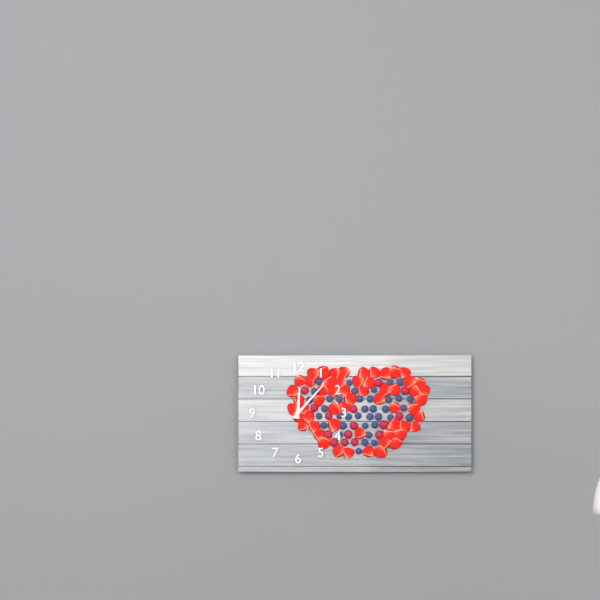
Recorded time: **12:07**
